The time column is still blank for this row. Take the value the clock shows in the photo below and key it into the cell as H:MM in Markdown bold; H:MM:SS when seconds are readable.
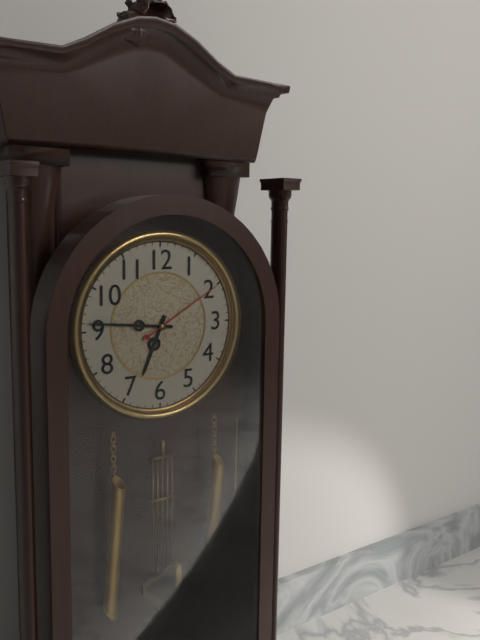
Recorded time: **6:46:10**
